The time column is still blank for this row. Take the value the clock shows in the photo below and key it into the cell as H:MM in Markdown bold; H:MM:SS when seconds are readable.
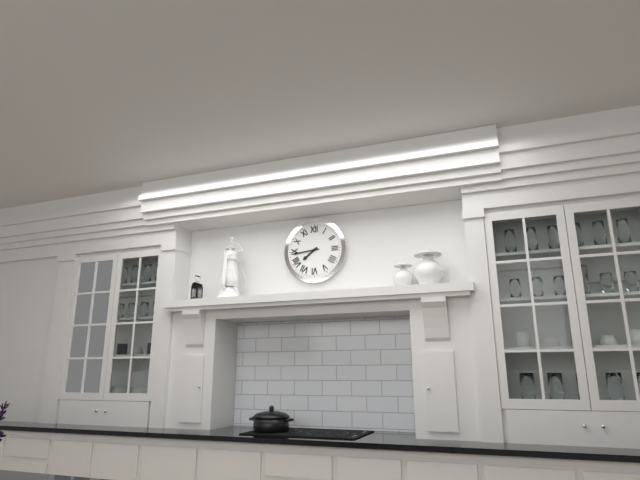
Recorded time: **7:44**
